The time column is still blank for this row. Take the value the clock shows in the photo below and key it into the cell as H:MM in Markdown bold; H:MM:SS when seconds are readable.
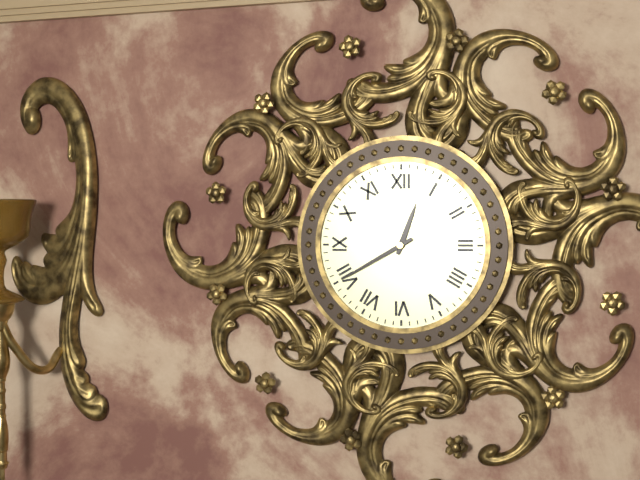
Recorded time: **12:40**
